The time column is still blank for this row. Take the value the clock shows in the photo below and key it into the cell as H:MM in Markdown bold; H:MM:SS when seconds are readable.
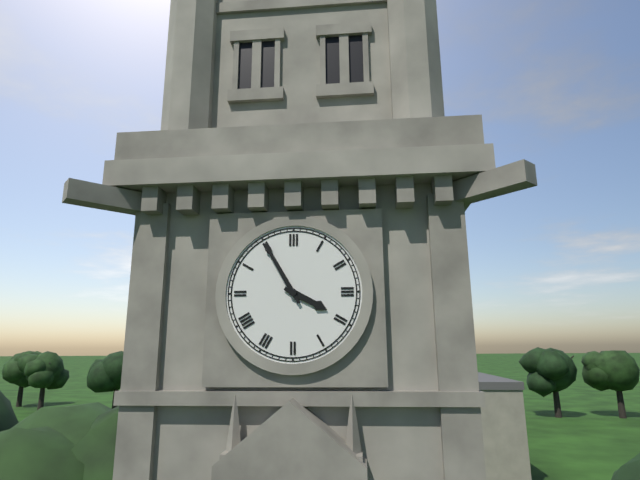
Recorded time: **3:55**
